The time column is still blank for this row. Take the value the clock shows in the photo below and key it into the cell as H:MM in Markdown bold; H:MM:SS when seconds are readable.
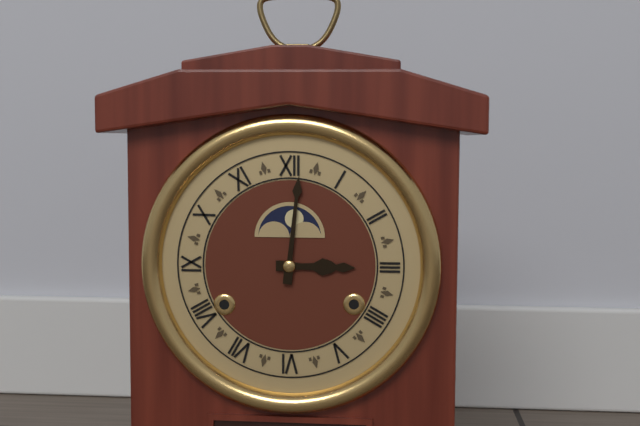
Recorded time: **3:01**
